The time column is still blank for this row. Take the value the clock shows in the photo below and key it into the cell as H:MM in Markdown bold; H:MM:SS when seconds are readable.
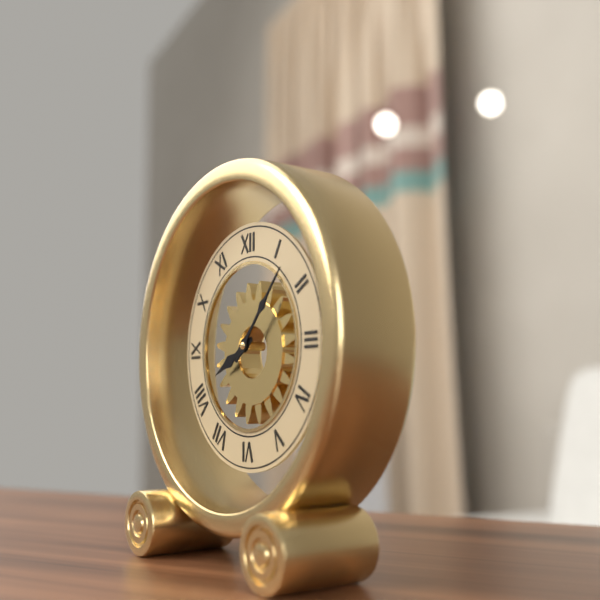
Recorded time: **8:07**
